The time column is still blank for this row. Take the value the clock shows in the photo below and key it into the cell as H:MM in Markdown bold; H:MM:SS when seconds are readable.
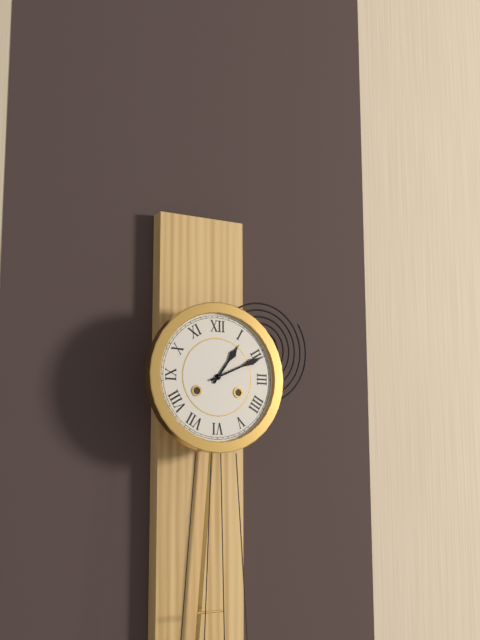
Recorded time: **1:11**
